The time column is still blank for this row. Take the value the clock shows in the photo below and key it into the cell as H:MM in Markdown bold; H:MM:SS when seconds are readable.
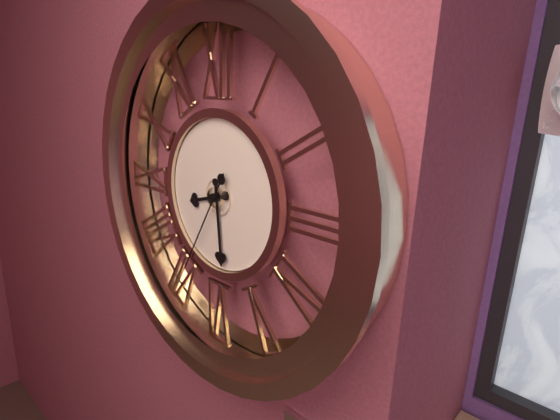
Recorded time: **8:29:35**
